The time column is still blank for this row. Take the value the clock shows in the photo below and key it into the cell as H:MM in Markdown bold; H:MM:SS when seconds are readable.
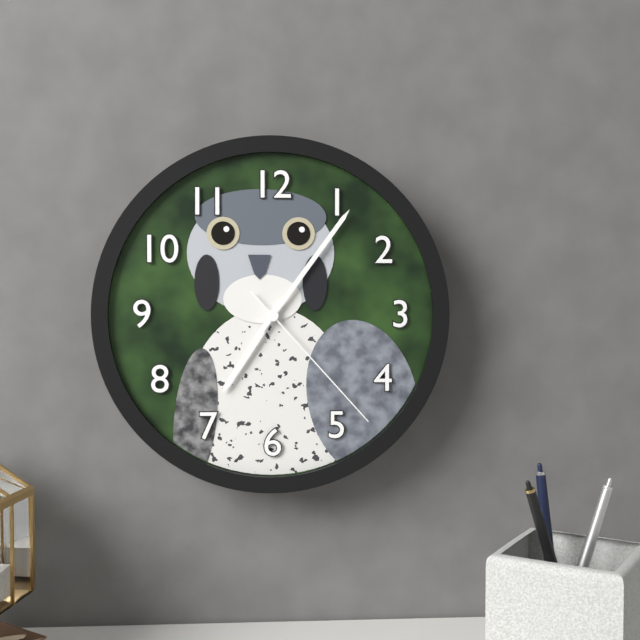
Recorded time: **7:06:23**
